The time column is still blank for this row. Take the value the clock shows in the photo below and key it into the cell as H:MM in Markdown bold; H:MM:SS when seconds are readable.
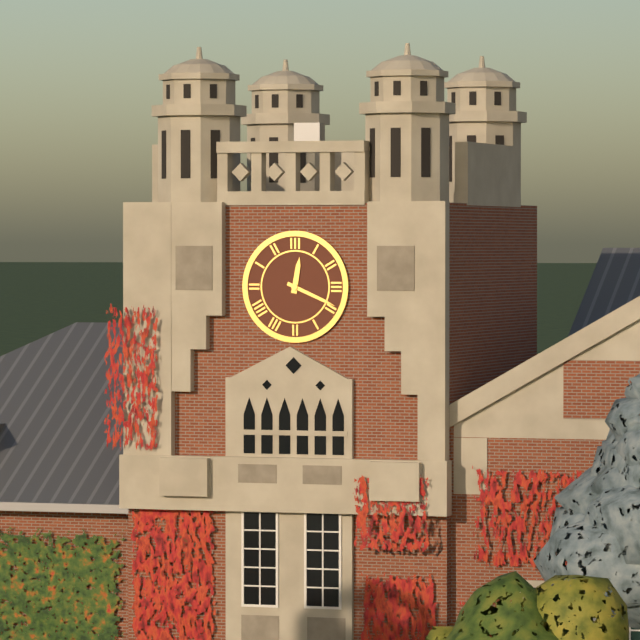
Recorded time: **12:19**
